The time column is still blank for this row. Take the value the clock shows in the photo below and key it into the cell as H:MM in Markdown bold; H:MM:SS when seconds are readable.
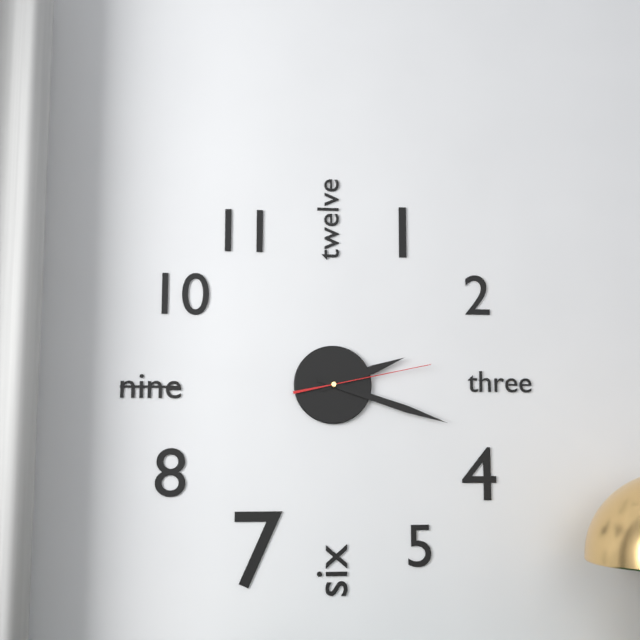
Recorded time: **2:18:13**
